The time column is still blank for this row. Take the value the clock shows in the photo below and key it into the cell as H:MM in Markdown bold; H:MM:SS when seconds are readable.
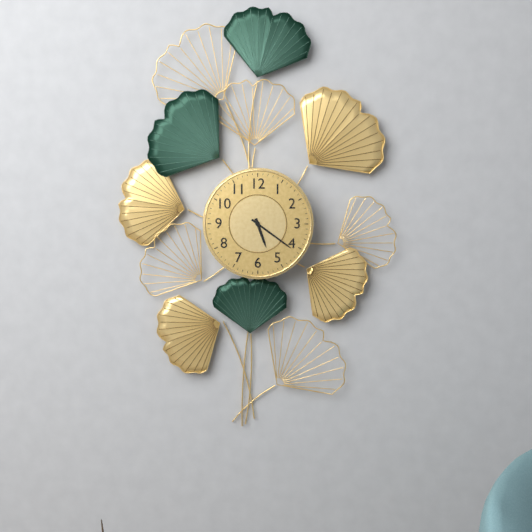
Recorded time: **5:21**
